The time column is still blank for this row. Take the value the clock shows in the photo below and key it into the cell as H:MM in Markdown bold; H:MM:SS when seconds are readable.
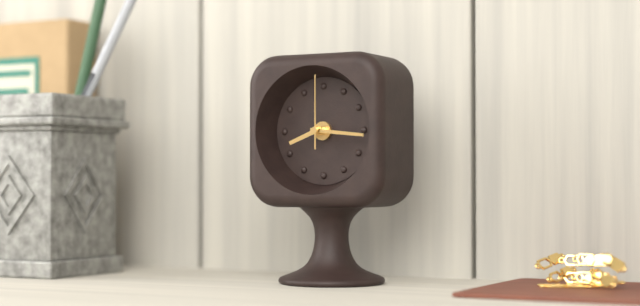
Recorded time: **8:16:00**
